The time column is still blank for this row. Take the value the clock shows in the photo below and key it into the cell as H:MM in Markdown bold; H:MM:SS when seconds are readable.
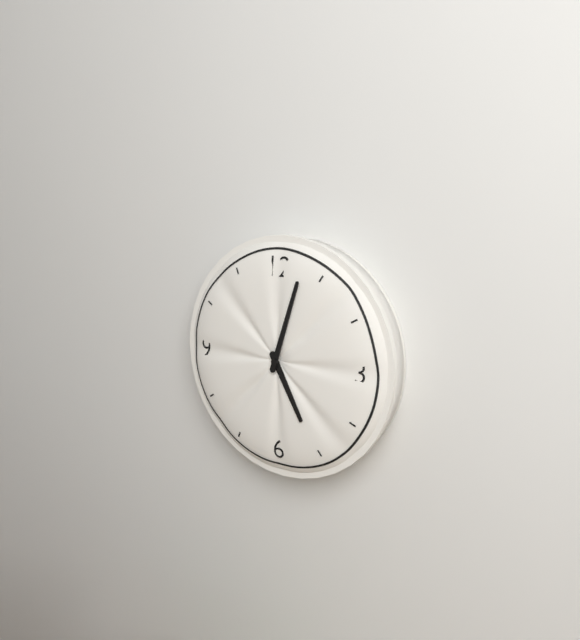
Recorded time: **5:03**
